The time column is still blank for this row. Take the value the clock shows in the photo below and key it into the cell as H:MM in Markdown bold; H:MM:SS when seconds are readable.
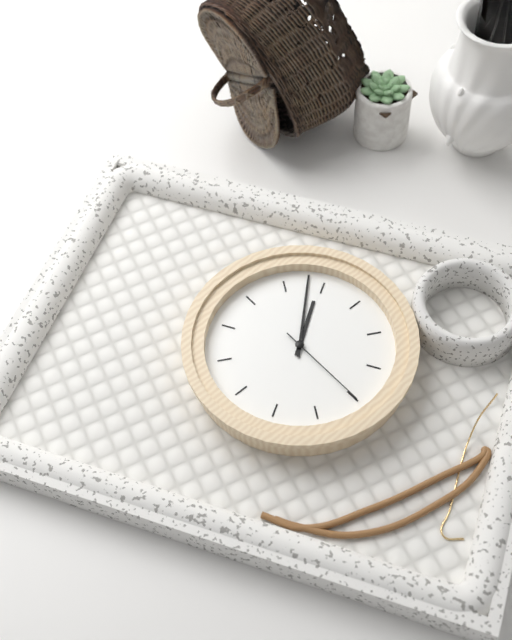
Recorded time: **10:53:15**
